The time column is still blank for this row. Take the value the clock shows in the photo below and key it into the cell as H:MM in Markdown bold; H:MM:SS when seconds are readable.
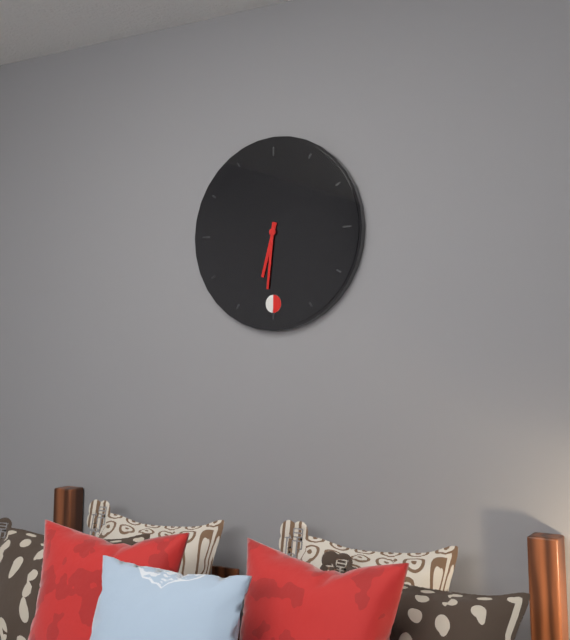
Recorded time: **6:31**
